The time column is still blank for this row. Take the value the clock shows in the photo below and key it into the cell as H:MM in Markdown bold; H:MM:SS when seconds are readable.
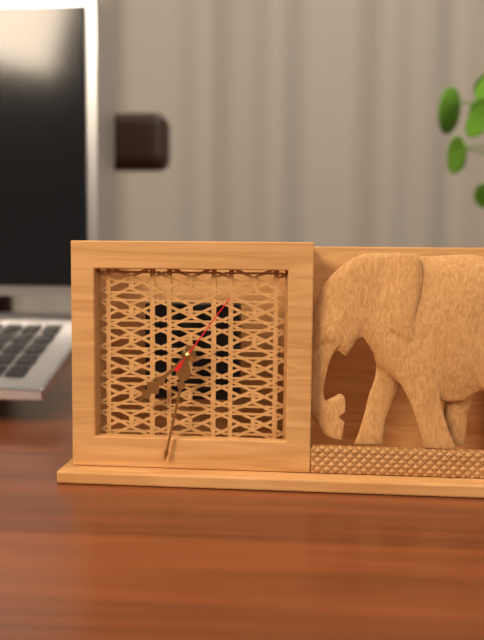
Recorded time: **7:32:06**
